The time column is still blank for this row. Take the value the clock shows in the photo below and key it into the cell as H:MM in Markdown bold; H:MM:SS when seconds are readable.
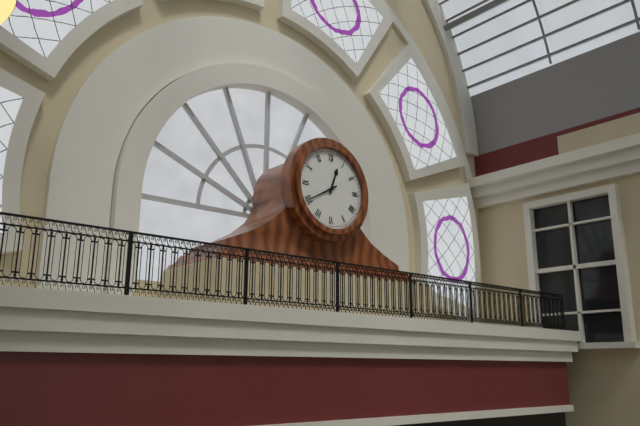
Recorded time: **12:40**
